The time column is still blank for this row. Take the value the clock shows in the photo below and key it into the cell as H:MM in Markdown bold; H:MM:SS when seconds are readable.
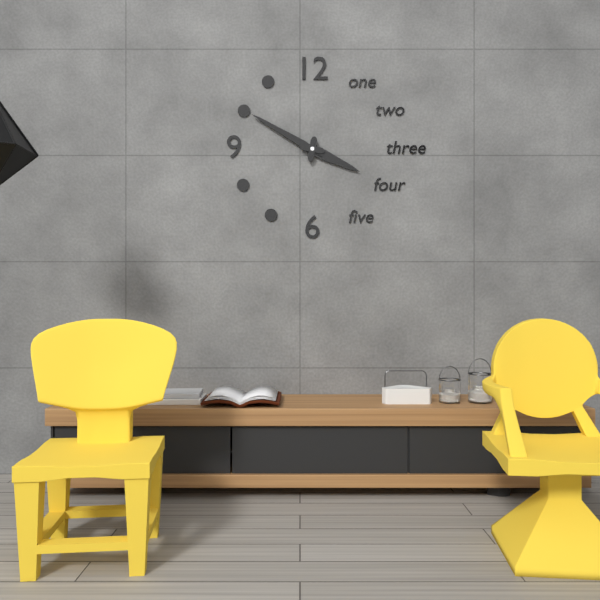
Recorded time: **3:50**
